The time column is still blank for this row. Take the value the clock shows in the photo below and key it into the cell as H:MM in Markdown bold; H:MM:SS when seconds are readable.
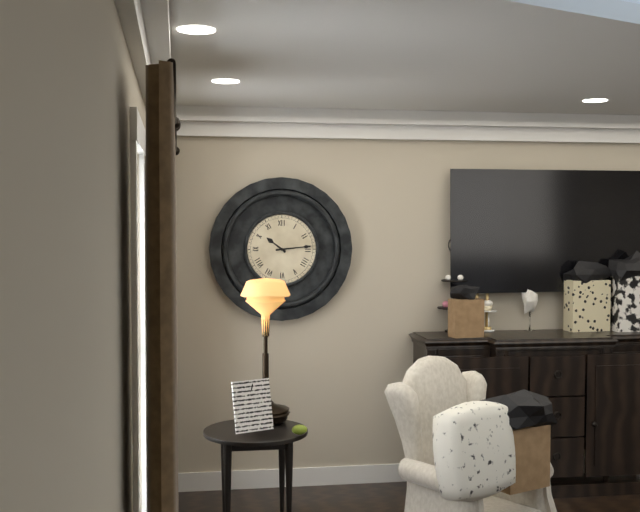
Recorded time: **10:14**
